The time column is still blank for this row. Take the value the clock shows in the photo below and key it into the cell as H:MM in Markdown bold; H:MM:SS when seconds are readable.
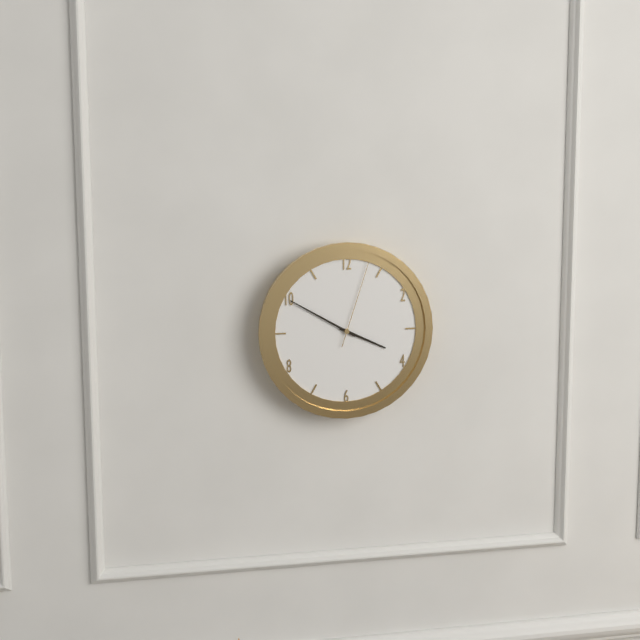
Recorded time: **3:50:03**
